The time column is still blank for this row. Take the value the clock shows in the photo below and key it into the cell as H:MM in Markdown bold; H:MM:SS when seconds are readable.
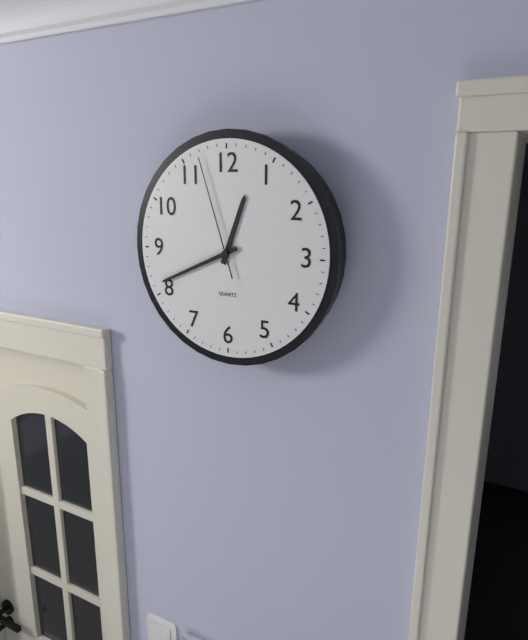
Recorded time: **12:41:57**
